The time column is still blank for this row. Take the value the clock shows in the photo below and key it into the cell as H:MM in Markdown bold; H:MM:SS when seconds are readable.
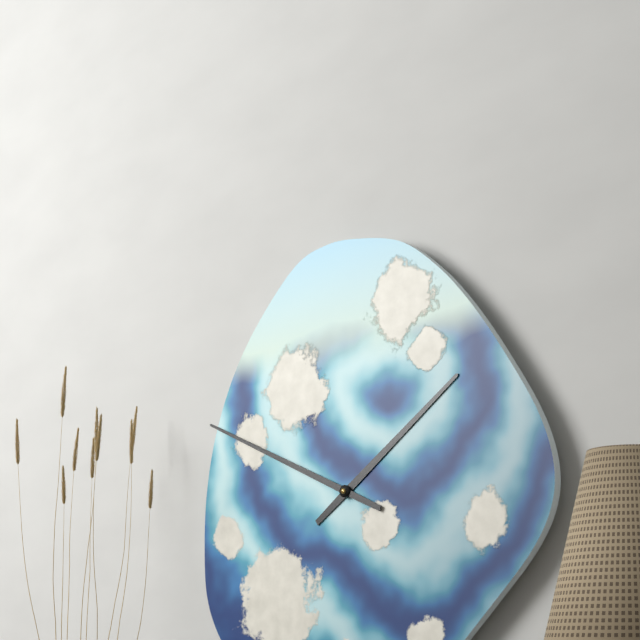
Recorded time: **1:49**
